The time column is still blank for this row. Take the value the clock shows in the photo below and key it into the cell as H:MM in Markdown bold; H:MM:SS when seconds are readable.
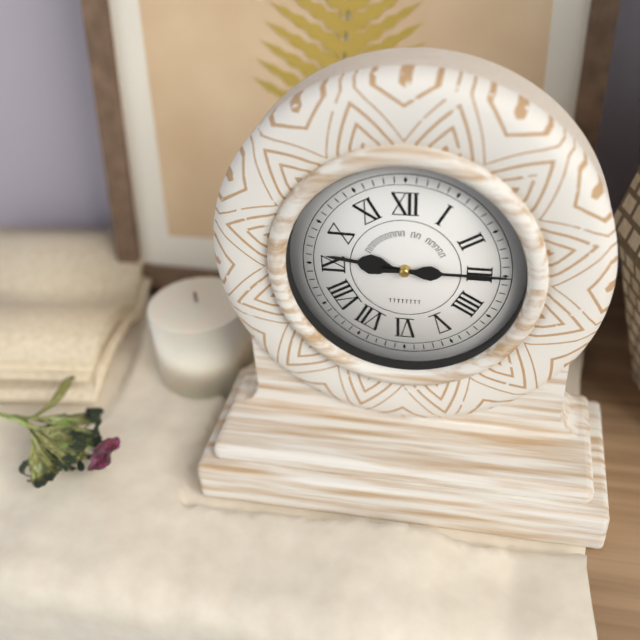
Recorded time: **9:15**
